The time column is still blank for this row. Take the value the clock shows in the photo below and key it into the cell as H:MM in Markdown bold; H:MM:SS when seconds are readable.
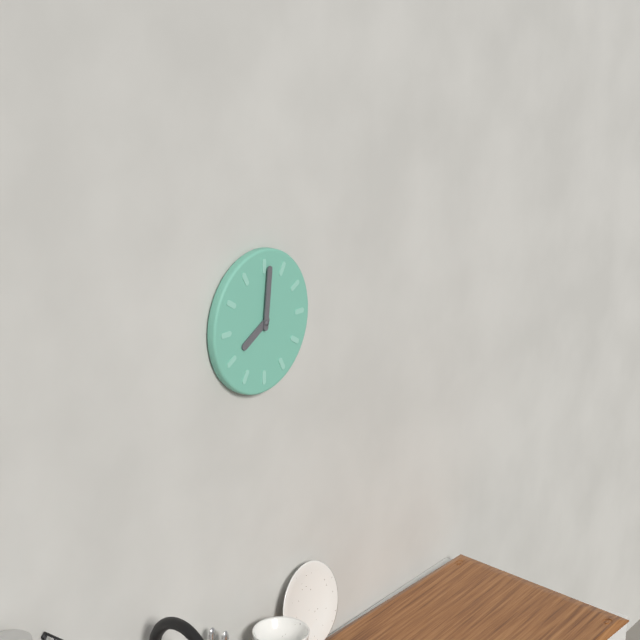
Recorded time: **8:01**
